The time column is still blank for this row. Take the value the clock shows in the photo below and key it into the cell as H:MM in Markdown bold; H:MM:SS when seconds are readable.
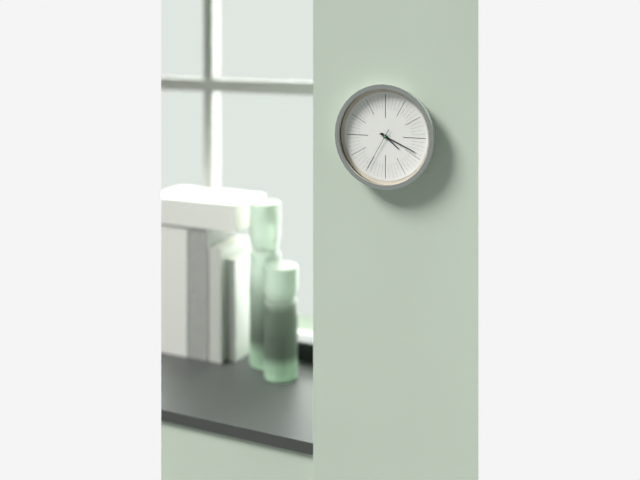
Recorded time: **4:19**
